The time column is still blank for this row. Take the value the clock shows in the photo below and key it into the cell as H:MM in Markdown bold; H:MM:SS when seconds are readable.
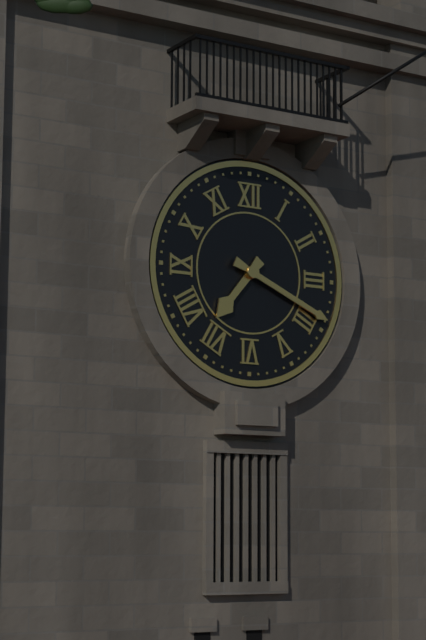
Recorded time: **7:19**
